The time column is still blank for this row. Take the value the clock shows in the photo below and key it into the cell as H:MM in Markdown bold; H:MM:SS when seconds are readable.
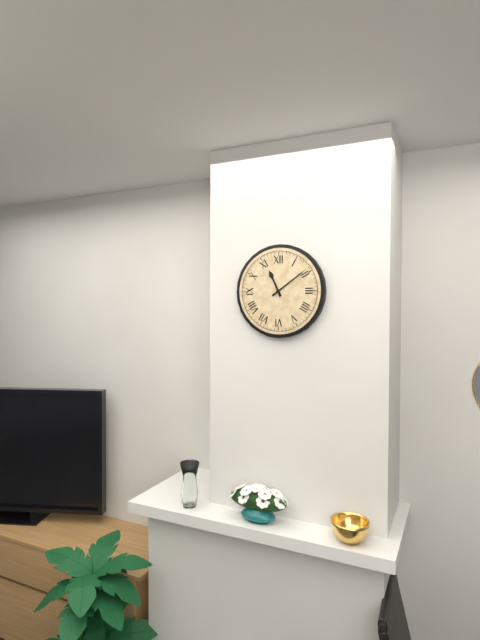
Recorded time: **11:09**
